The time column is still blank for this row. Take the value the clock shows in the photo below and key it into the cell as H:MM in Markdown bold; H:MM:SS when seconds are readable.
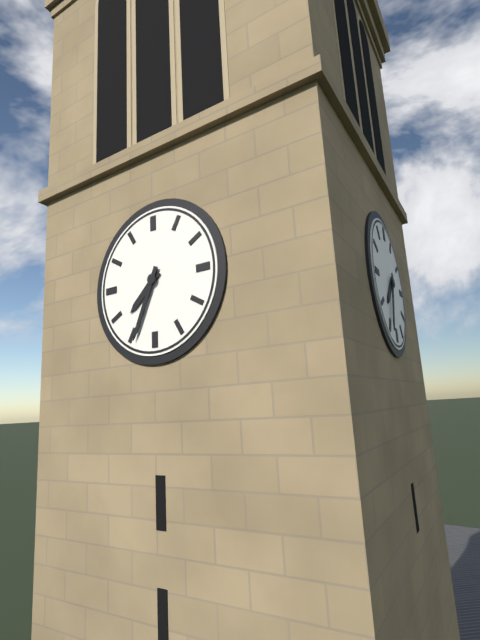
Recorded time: **7:34**
